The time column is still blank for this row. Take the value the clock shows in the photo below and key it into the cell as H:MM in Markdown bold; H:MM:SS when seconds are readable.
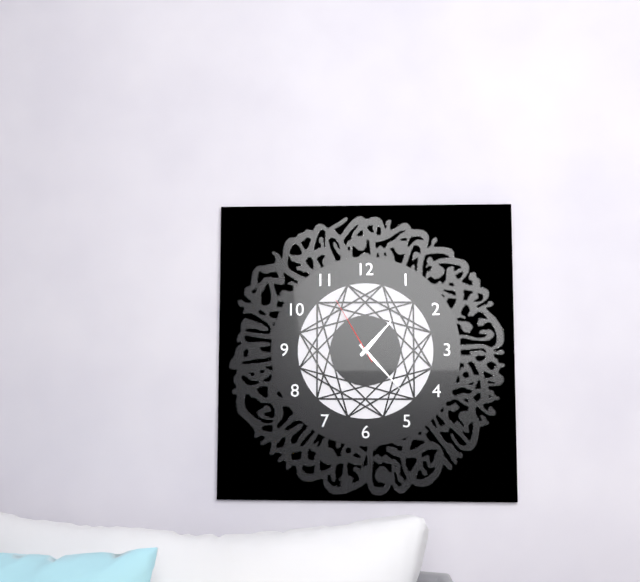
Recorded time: **1:23:55**
